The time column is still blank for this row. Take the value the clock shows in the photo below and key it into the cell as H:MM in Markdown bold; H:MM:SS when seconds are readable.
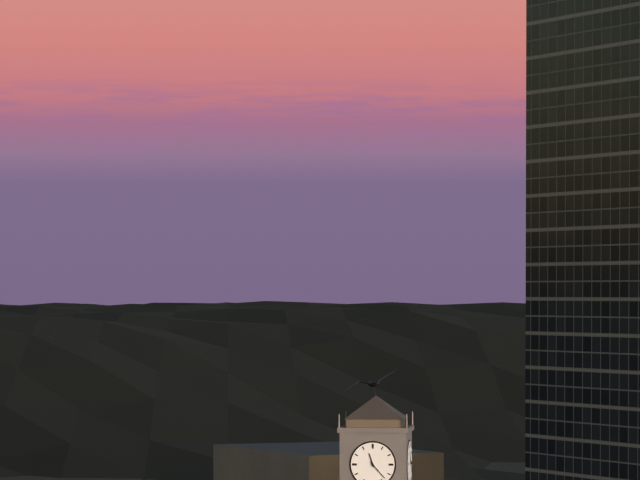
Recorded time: **11:23**
